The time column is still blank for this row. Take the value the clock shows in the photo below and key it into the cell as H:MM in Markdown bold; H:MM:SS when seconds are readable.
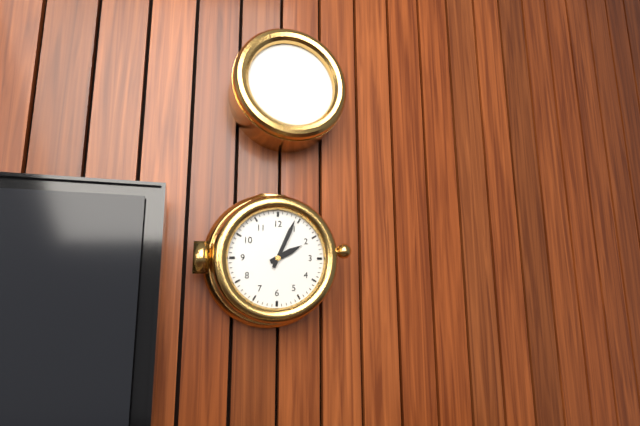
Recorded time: **2:04**
